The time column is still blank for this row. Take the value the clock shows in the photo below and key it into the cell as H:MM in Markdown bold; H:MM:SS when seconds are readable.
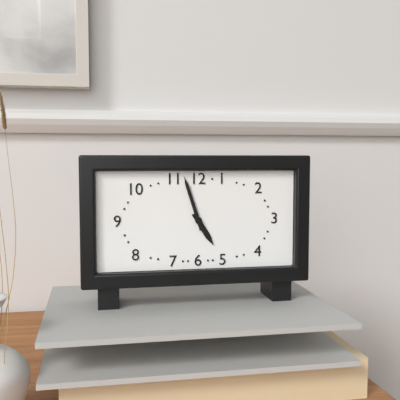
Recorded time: **4:57**
